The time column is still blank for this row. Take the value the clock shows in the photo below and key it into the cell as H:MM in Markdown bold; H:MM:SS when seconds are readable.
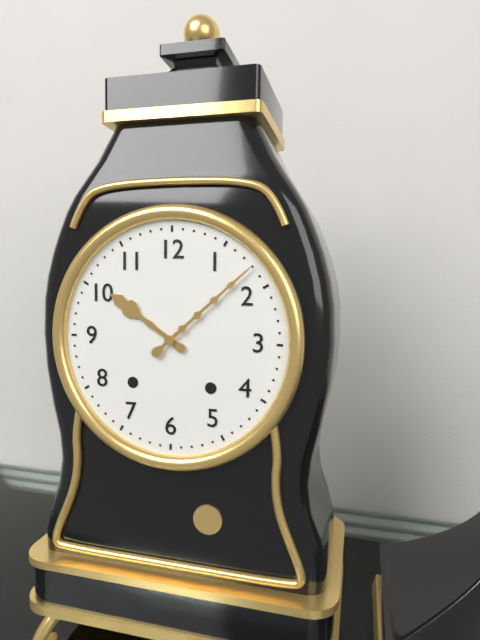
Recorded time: **10:08**
